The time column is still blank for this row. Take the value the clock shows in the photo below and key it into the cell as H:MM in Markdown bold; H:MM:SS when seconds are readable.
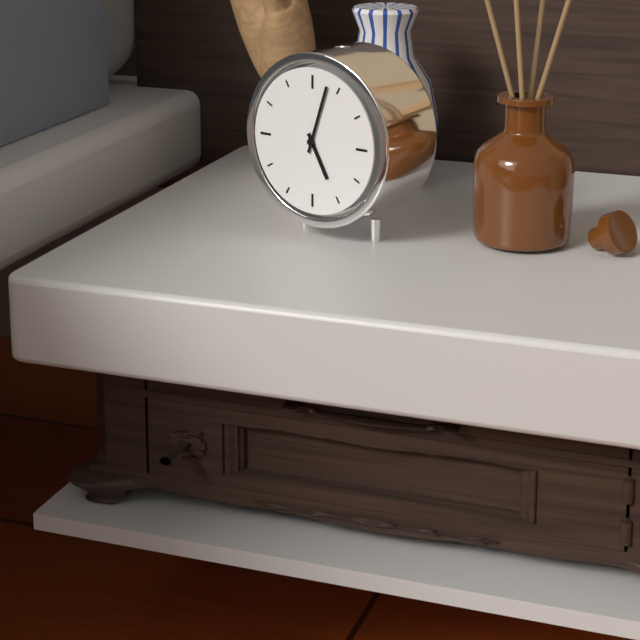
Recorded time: **5:03**
